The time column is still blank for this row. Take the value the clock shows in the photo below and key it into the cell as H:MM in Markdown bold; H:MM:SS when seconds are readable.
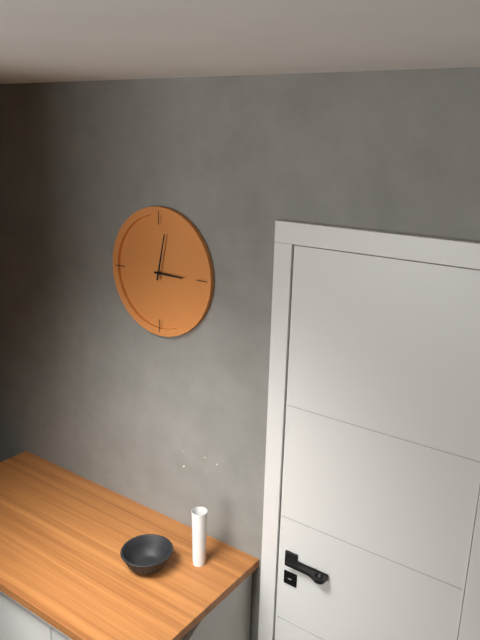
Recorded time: **3:02**
